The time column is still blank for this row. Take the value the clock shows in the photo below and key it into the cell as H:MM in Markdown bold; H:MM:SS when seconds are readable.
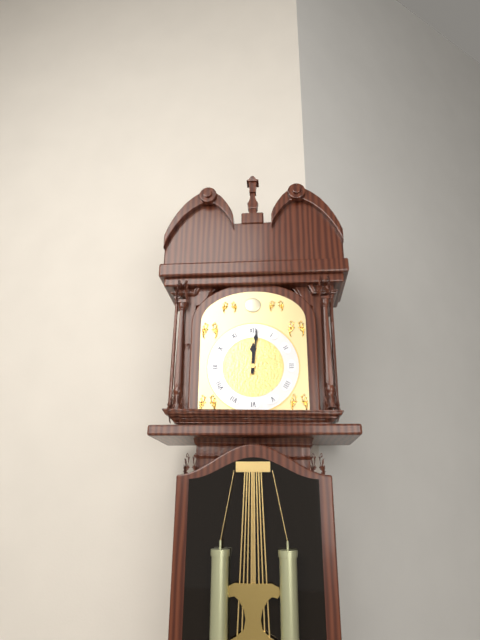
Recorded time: **12:01**
